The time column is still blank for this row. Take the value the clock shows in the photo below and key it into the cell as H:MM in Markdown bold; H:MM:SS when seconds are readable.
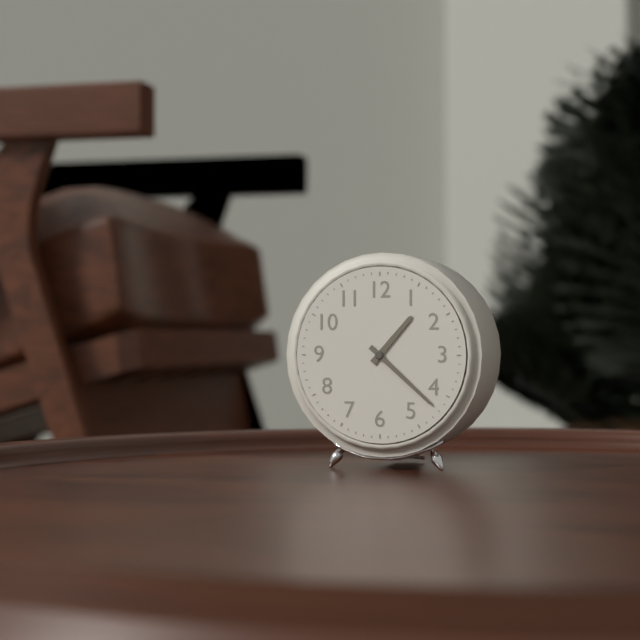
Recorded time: **1:22**
